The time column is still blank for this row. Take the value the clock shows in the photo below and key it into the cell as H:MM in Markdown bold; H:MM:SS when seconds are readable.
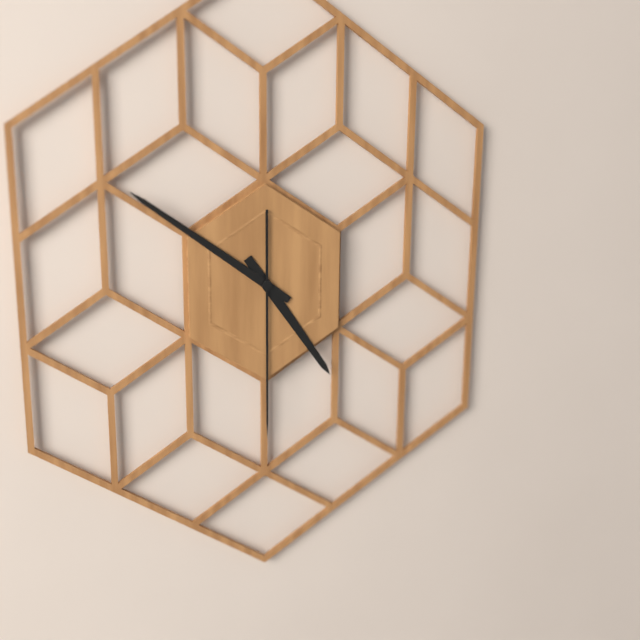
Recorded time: **4:51:30**
